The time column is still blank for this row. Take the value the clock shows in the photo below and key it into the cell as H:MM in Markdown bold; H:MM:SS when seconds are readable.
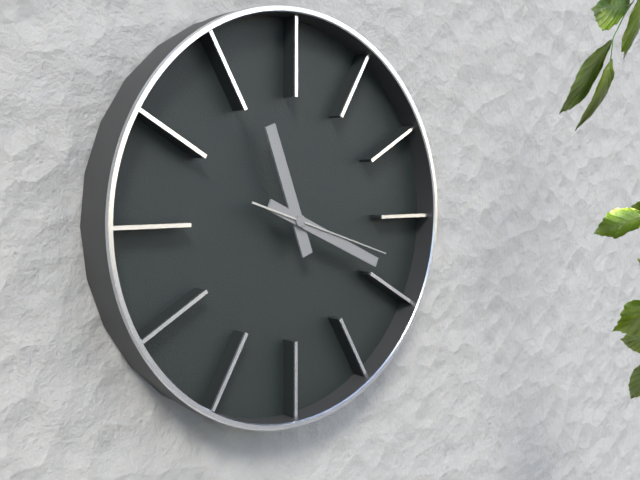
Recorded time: **11:19:18**
